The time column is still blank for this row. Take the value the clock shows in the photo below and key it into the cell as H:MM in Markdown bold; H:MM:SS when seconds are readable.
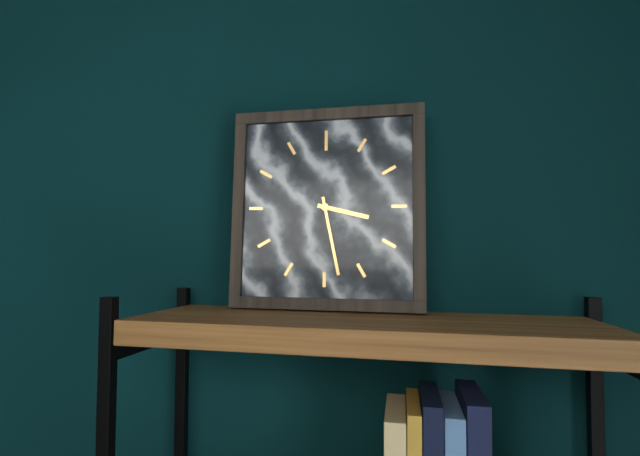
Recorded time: **3:28**
